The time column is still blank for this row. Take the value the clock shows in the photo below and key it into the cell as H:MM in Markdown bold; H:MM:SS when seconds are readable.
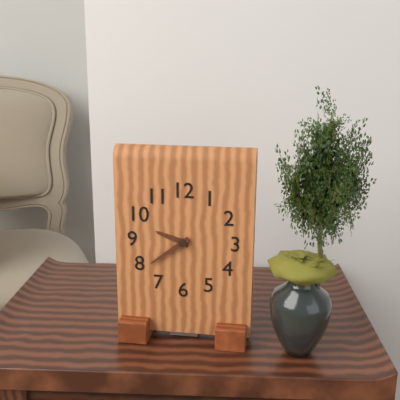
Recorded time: **9:39**
